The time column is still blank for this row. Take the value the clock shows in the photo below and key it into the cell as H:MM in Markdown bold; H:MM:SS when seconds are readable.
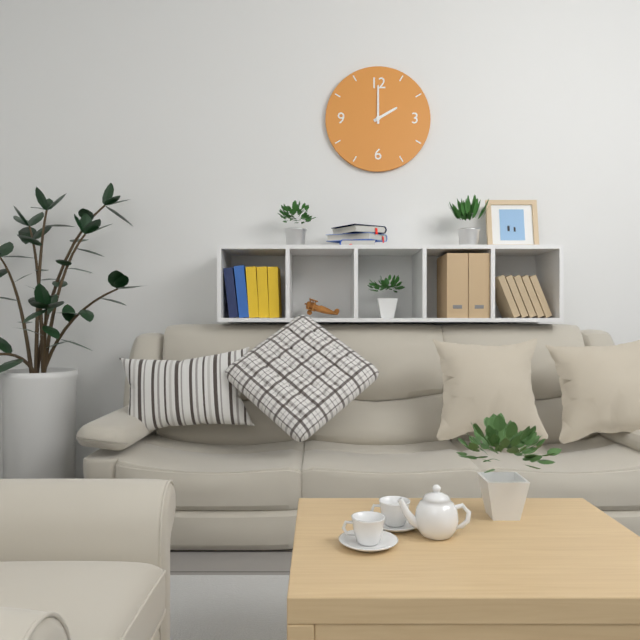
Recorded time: **2:00**
